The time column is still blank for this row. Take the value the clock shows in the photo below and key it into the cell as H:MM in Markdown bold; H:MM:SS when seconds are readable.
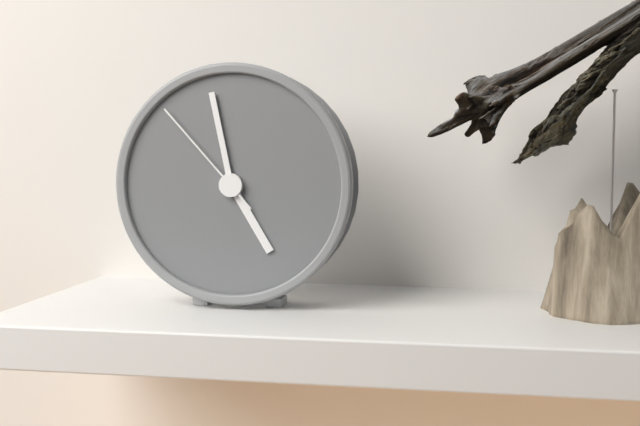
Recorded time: **4:58:53**
